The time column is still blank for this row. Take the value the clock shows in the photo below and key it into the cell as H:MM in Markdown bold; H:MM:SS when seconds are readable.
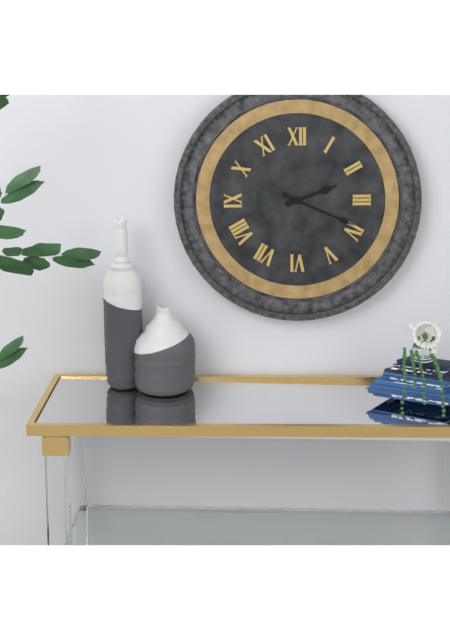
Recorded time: **2:19**
